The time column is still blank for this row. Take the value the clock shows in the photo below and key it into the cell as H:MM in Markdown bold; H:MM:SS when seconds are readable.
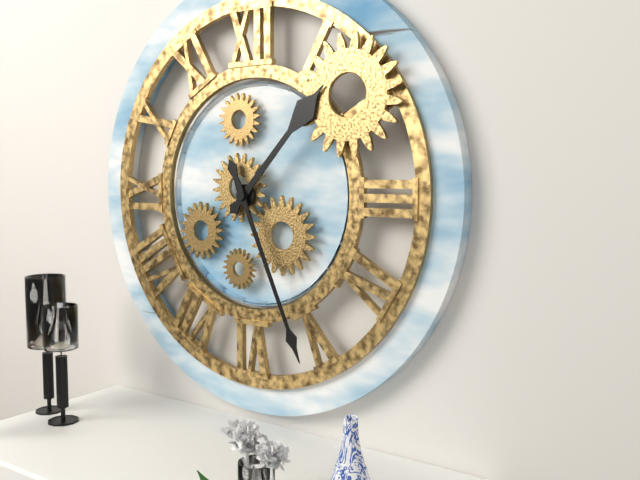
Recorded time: **1:26**
